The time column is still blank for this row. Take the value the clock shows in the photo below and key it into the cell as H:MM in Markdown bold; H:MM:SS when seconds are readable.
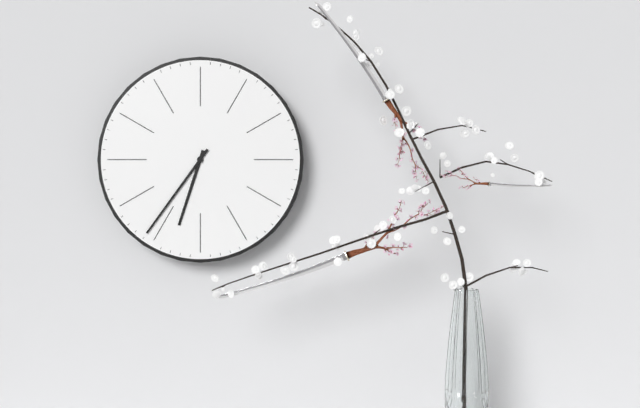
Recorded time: **6:36**
